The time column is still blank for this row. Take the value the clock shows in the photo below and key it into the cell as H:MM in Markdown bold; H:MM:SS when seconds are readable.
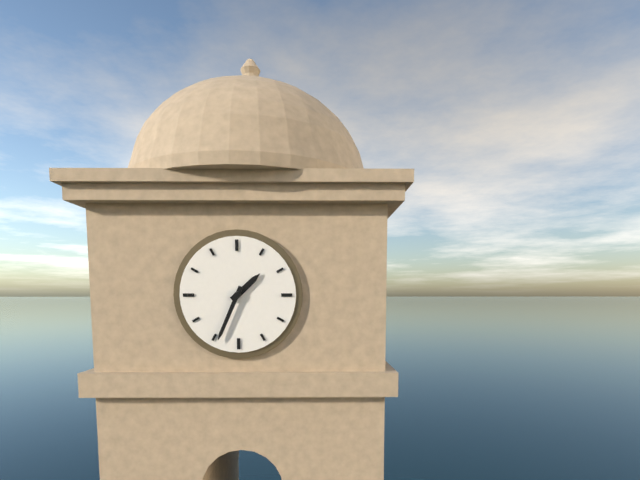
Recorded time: **1:34**
